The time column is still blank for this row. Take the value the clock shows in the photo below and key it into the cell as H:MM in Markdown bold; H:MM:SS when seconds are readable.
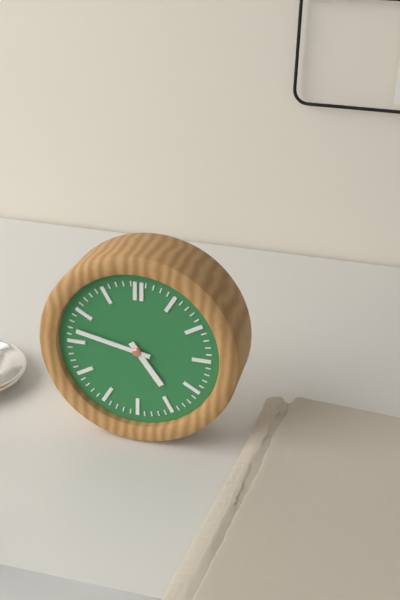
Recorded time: **4:47**
